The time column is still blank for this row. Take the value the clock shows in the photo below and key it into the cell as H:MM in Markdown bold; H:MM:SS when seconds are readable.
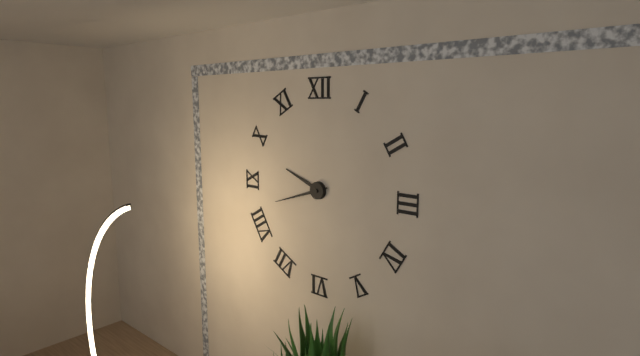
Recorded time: **9:42**
